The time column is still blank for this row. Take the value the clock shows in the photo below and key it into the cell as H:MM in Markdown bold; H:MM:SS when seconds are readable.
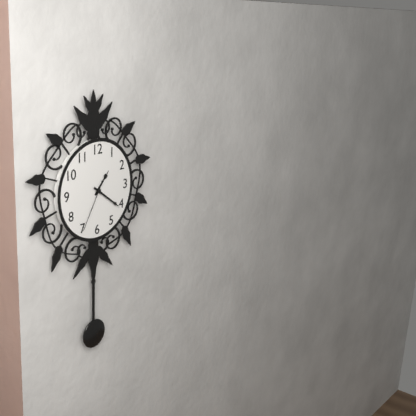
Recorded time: **1:21:35**
